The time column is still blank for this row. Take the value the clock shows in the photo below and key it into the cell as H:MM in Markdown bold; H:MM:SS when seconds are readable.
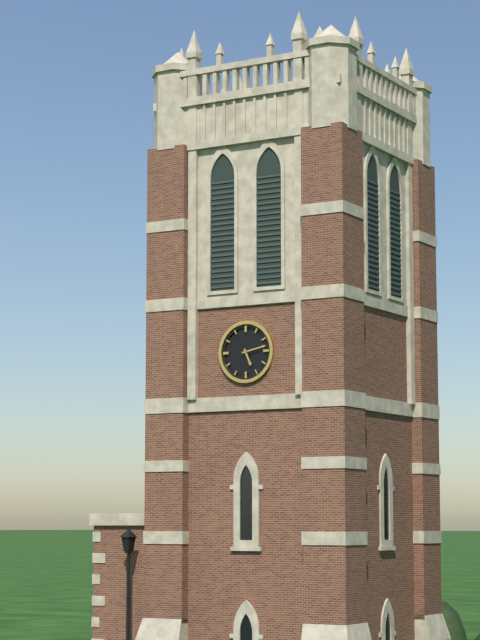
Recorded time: **5:13**
